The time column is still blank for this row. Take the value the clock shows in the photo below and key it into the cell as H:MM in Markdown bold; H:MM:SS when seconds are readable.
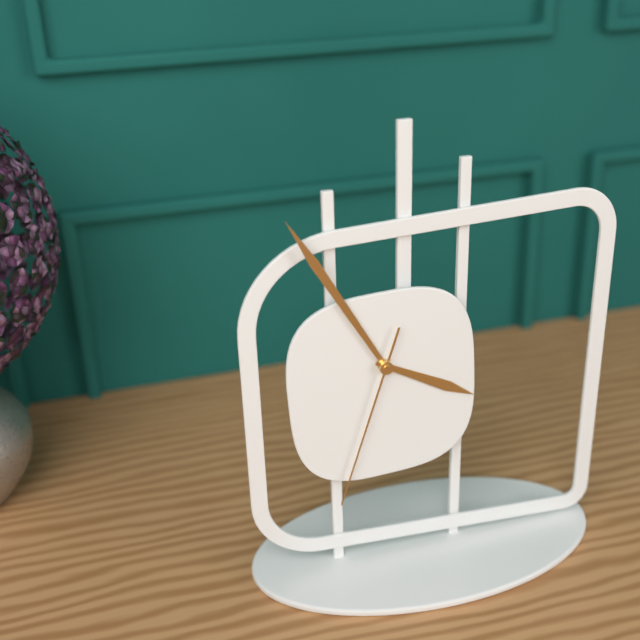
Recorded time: **3:55:33**
